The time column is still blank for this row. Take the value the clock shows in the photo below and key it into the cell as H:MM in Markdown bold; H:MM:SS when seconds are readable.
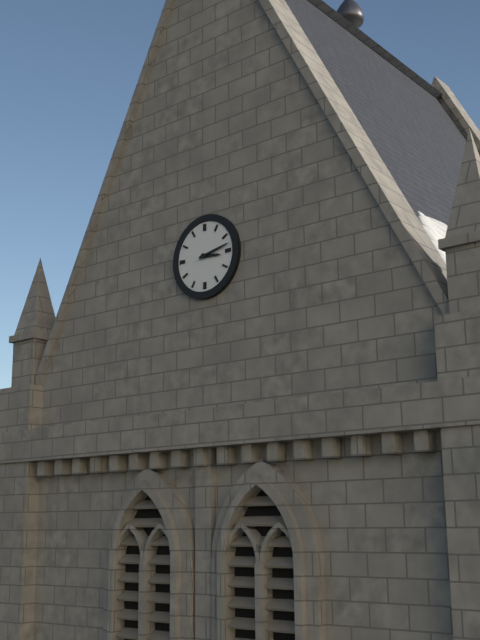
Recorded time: **3:13**
